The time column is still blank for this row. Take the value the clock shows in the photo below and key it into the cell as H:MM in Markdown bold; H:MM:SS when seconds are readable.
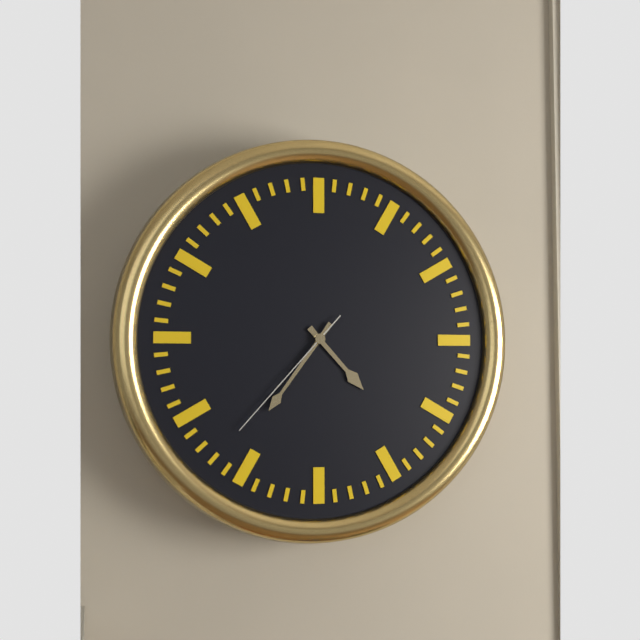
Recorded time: **4:36:37**
